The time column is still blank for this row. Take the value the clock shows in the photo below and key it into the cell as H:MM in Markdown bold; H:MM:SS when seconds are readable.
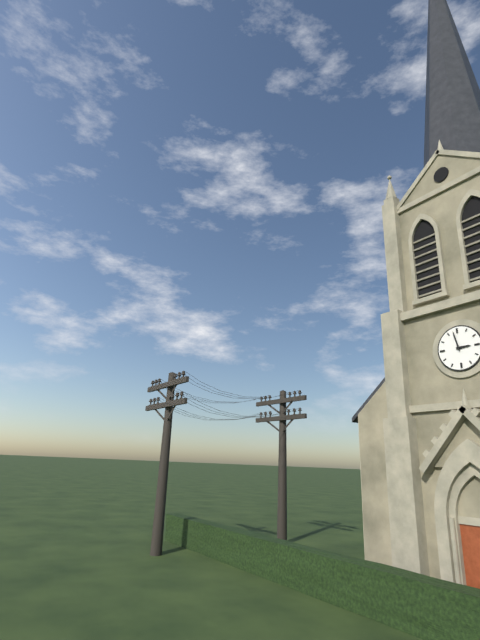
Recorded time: **2:58**
